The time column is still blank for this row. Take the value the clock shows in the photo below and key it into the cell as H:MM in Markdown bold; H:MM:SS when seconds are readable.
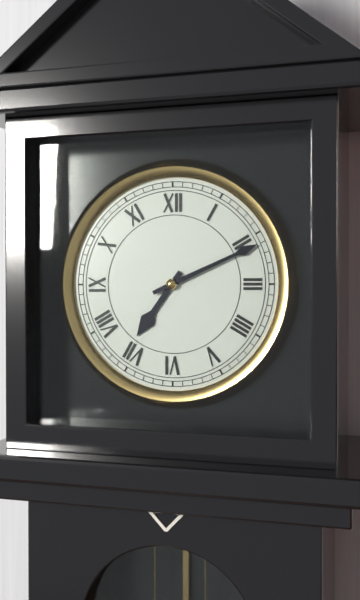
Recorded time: **7:11**
